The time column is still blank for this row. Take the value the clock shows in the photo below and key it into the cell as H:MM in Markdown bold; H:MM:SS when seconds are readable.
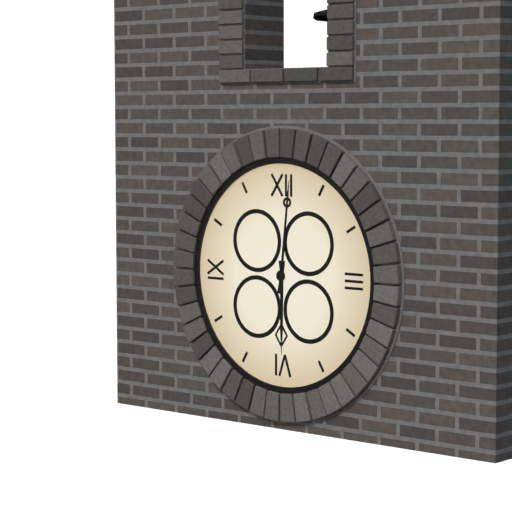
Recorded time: **6:01**
